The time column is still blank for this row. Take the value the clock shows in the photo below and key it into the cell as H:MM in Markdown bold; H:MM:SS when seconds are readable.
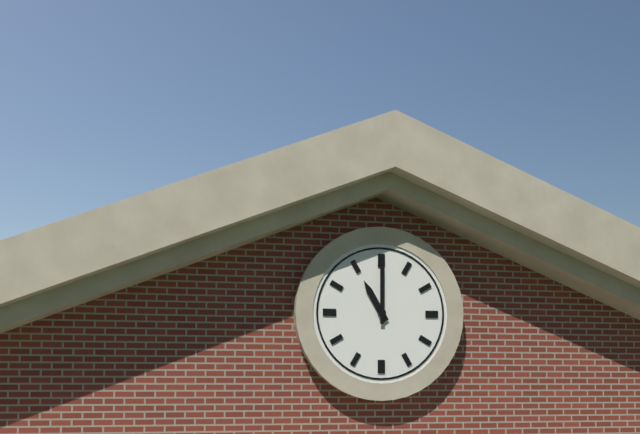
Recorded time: **11:00**
